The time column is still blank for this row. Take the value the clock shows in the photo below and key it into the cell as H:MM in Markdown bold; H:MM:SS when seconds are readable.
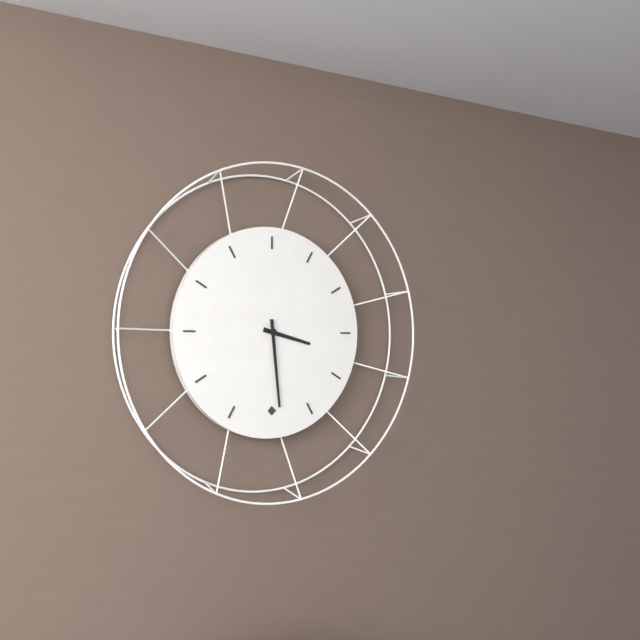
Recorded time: **3:29**
